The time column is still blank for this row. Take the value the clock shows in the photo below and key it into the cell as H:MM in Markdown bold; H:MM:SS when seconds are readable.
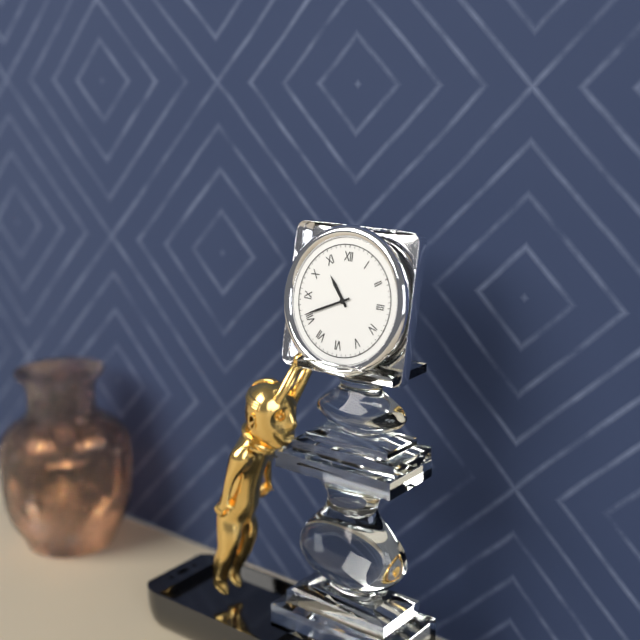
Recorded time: **10:41**
